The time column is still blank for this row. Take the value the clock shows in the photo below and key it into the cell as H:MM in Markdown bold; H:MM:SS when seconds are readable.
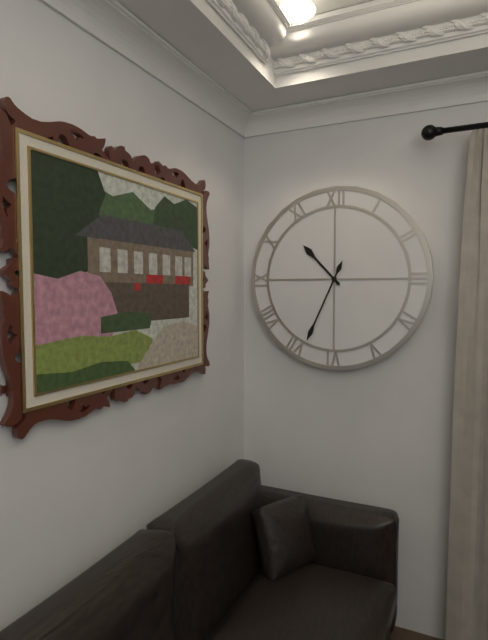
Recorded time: **10:34**
